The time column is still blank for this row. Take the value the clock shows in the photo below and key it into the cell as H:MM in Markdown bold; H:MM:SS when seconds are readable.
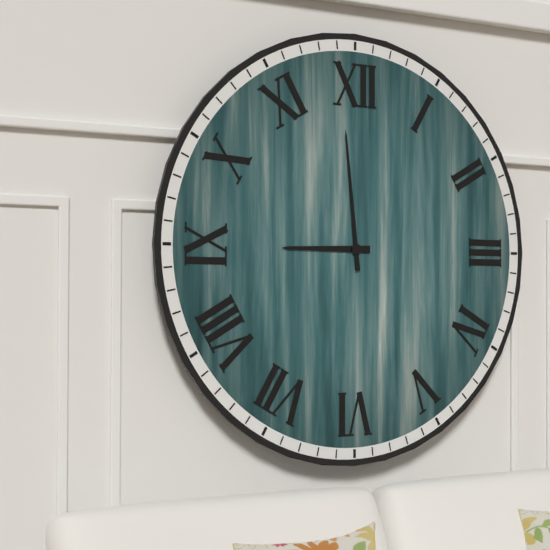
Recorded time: **8:59**
